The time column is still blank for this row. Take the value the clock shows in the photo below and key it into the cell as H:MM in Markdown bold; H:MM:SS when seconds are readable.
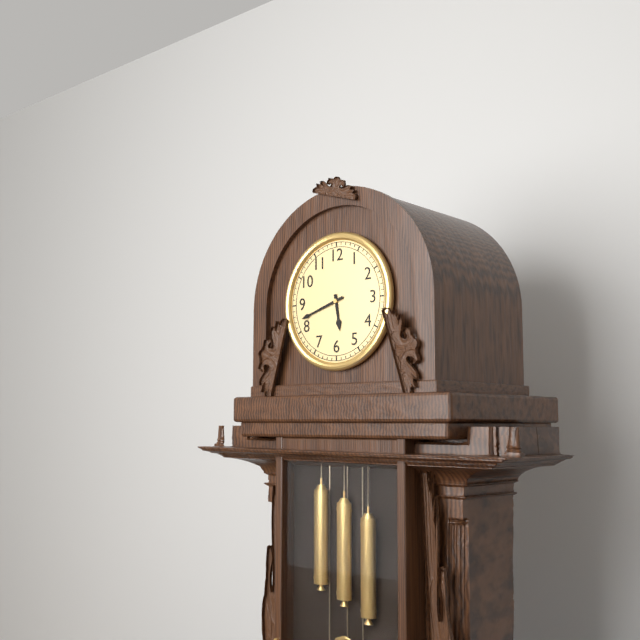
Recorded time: **5:42**
